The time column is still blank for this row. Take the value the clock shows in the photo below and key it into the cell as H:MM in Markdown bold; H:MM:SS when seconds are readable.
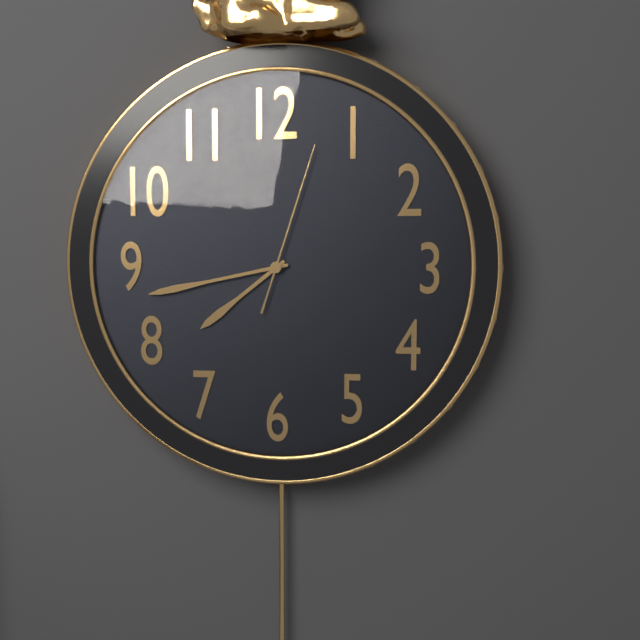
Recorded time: **7:43:03**
